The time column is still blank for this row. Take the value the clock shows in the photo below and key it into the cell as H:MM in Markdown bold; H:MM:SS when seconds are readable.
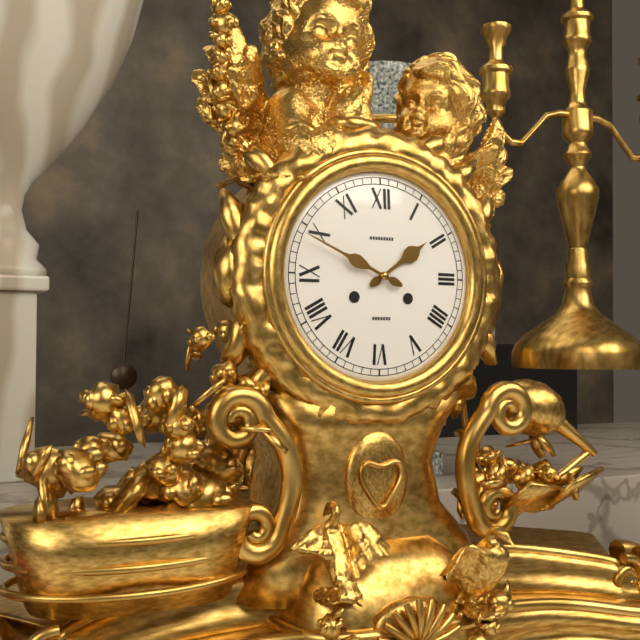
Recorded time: **1:49**
